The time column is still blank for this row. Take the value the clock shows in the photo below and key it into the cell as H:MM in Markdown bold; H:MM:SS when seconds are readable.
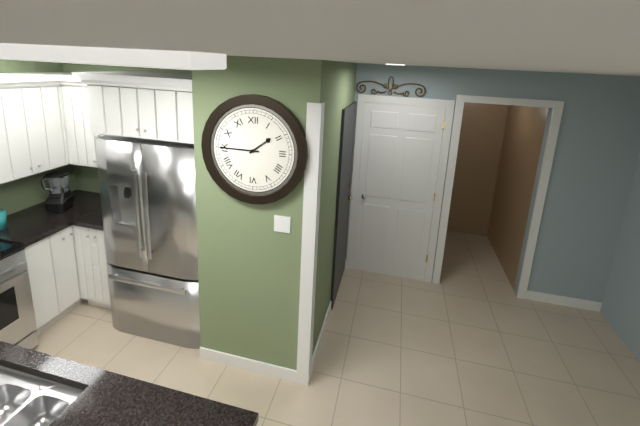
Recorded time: **1:45**
